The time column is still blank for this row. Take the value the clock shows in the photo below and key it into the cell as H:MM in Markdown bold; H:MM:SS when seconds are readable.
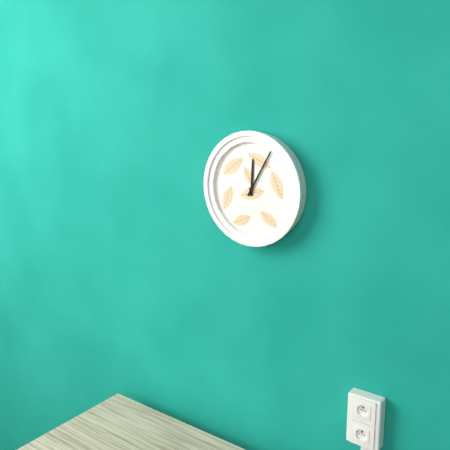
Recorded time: **12:05**
